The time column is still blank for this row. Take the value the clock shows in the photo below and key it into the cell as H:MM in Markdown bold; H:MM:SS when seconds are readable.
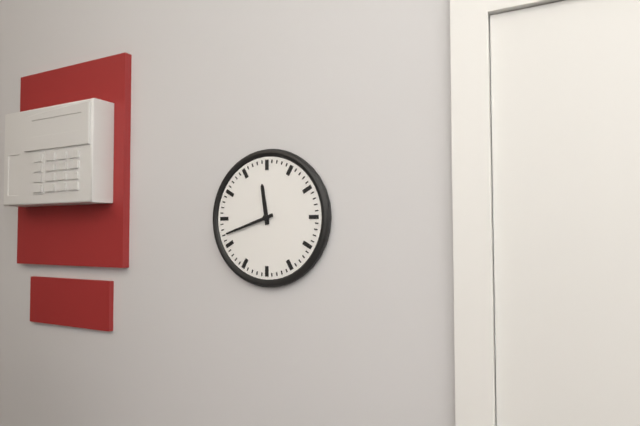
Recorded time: **11:42**
